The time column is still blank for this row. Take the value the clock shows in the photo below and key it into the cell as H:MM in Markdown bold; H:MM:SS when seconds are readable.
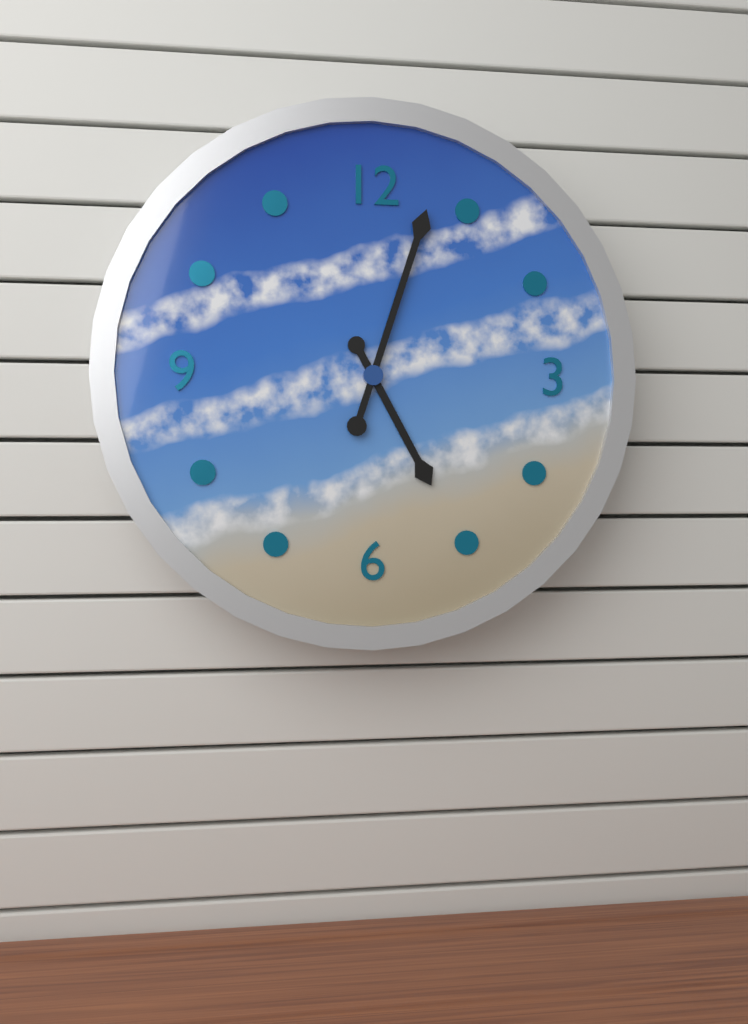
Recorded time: **5:03**
